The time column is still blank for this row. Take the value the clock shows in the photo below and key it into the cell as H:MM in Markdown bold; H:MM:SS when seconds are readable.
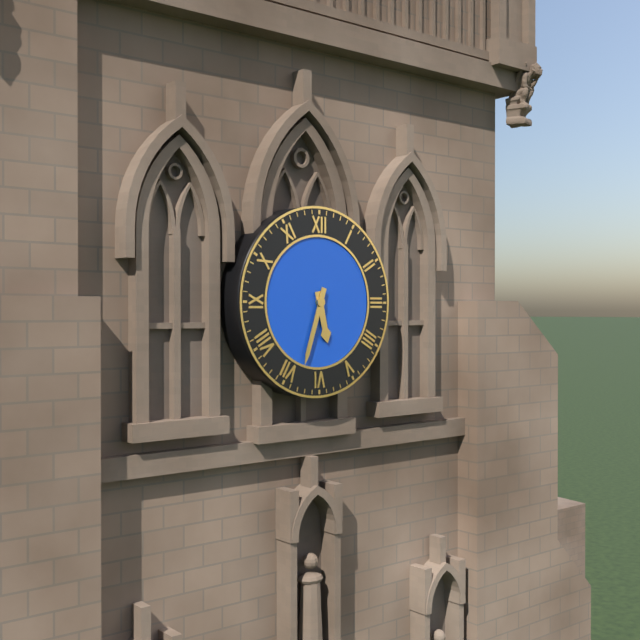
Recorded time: **5:33**
